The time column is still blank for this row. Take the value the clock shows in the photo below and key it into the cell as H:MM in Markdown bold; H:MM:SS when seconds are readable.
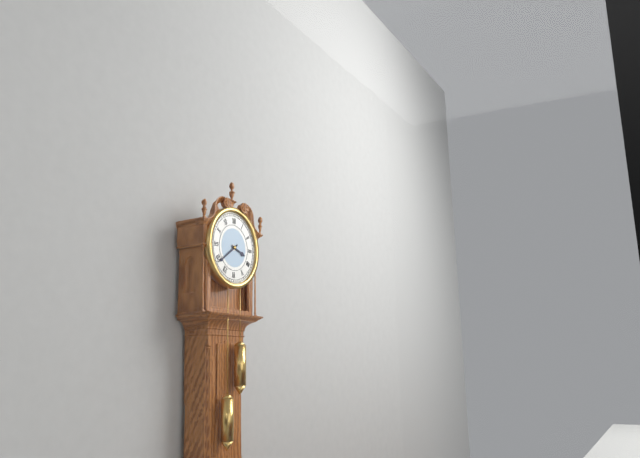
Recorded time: **3:39**
